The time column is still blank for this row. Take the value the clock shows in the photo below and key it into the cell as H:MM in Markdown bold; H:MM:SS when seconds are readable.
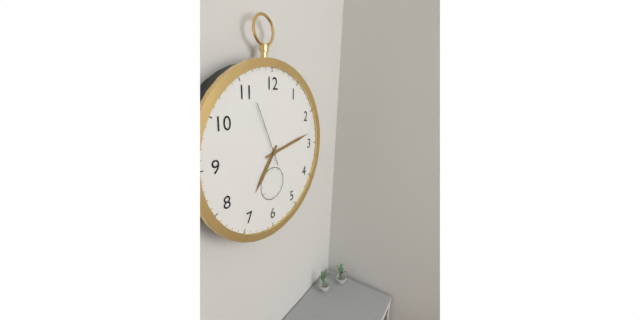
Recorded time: **7:13:56**
